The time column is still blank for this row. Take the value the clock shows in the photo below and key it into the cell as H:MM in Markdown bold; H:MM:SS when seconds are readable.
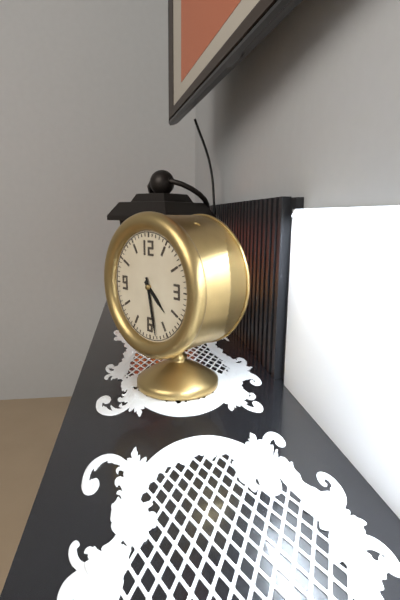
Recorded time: **4:28**
